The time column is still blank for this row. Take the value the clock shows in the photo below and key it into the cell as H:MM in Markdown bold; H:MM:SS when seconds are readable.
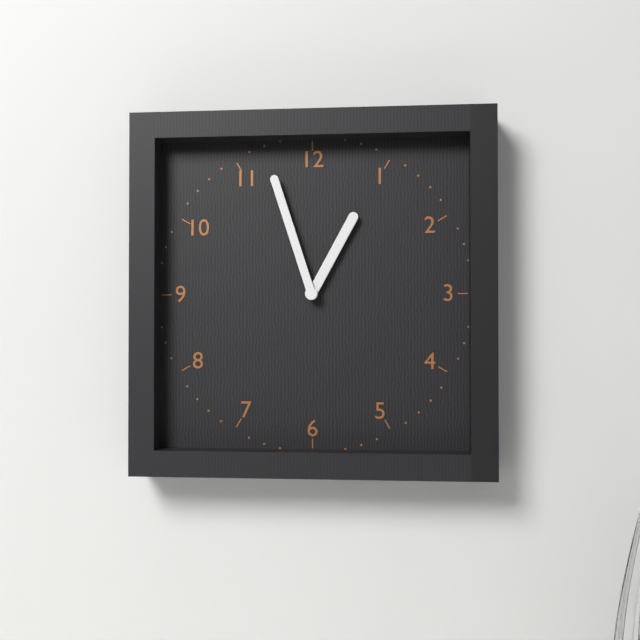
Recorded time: **12:57**
